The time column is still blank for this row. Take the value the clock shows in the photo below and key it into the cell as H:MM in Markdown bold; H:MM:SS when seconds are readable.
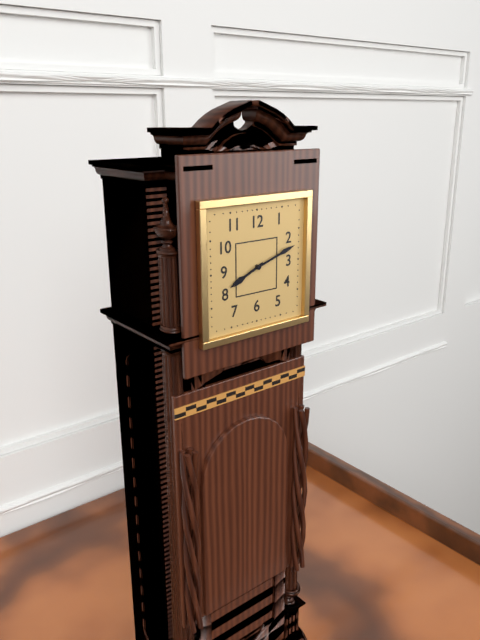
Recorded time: **8:12**
